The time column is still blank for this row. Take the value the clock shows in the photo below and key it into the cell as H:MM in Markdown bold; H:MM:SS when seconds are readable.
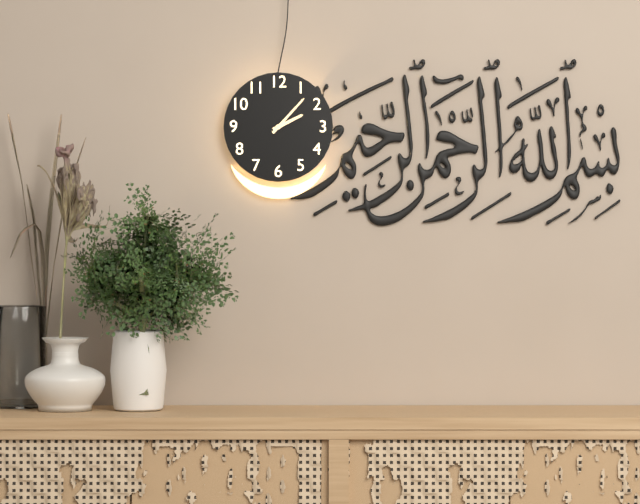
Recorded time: **2:07**
